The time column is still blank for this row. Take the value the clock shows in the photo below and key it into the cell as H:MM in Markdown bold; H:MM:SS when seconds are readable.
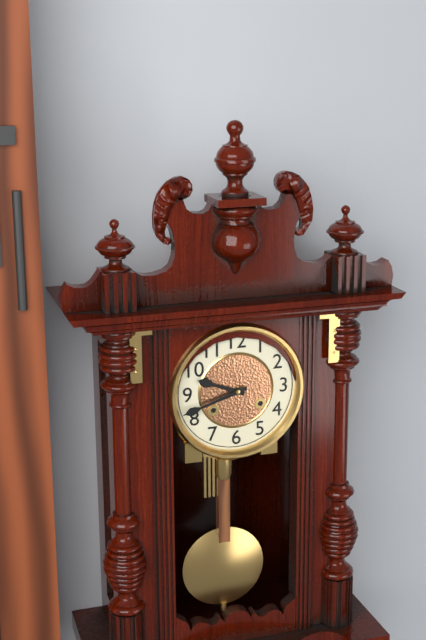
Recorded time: **9:42**
